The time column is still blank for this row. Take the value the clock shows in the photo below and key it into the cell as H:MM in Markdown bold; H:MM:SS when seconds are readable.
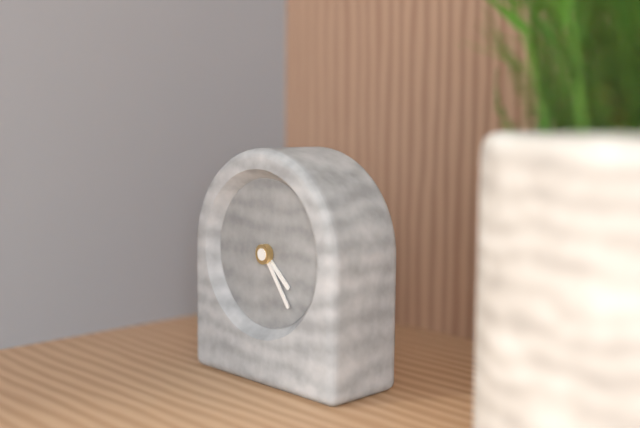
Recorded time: **4:24**
